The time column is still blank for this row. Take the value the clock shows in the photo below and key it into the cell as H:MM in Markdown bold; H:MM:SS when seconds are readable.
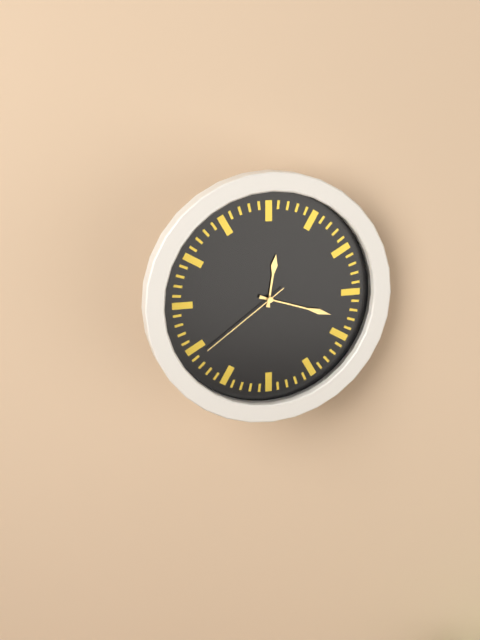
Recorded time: **12:18:39**
